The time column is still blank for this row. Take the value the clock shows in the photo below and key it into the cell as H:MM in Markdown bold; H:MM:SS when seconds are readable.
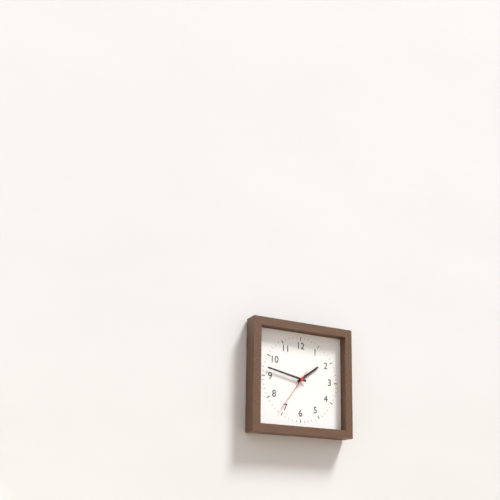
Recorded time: **1:47**
